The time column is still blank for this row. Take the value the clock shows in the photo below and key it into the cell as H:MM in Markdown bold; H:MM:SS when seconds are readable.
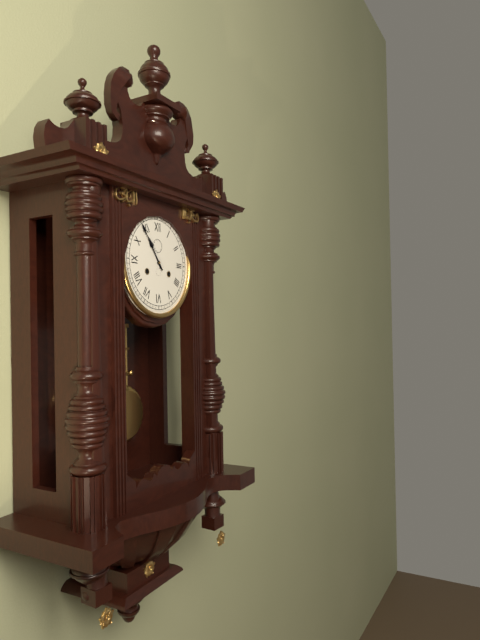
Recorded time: **10:54**
